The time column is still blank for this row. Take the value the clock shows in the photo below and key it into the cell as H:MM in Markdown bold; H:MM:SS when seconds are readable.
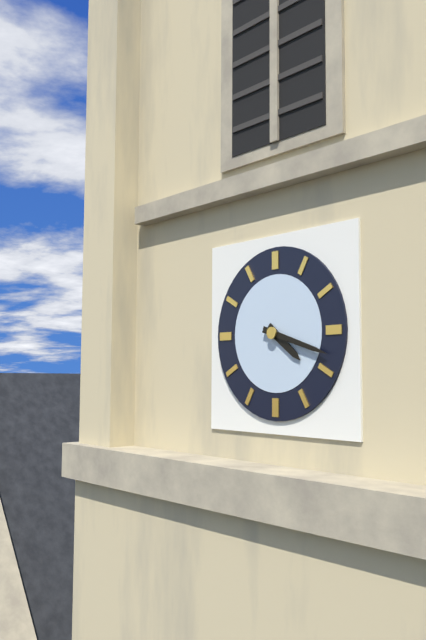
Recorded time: **4:18**
